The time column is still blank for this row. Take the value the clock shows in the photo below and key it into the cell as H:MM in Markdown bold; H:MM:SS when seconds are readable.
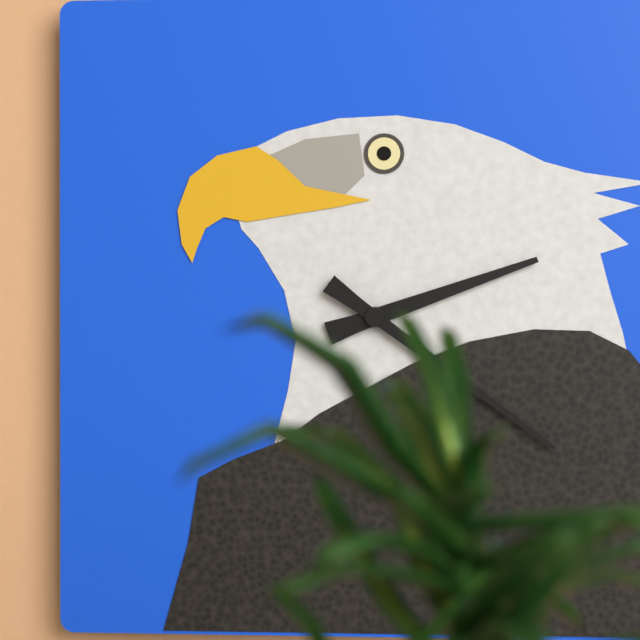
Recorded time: **2:21**
